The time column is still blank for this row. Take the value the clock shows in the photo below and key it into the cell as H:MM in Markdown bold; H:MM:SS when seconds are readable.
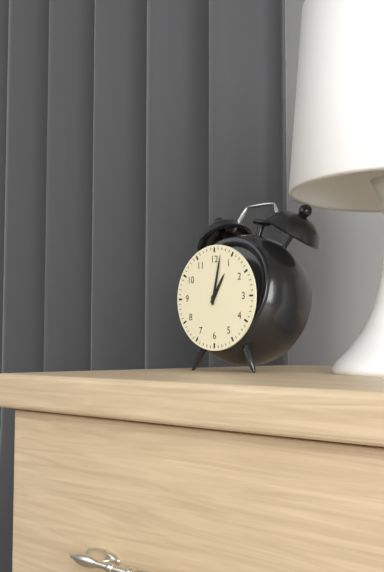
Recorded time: **1:02**
